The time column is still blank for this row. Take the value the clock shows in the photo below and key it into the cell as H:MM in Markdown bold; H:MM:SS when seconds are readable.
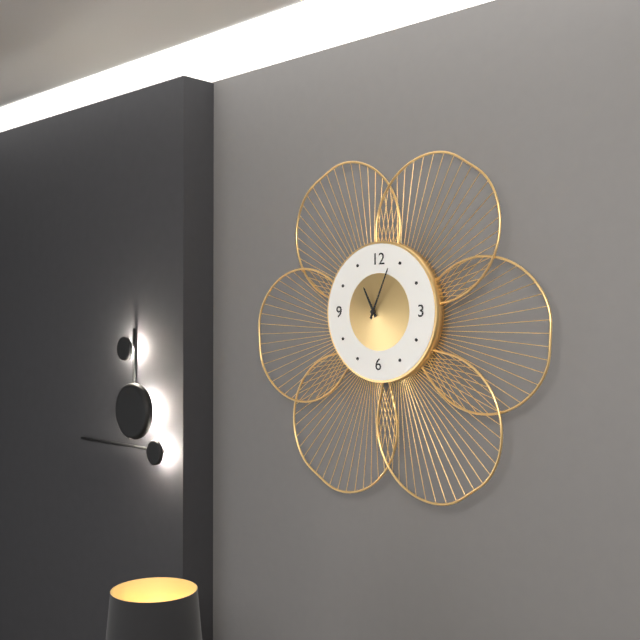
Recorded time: **11:04**
